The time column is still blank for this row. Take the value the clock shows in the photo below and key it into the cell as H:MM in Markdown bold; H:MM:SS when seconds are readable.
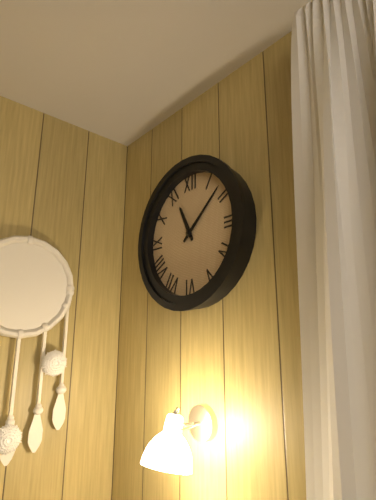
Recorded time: **11:08**
